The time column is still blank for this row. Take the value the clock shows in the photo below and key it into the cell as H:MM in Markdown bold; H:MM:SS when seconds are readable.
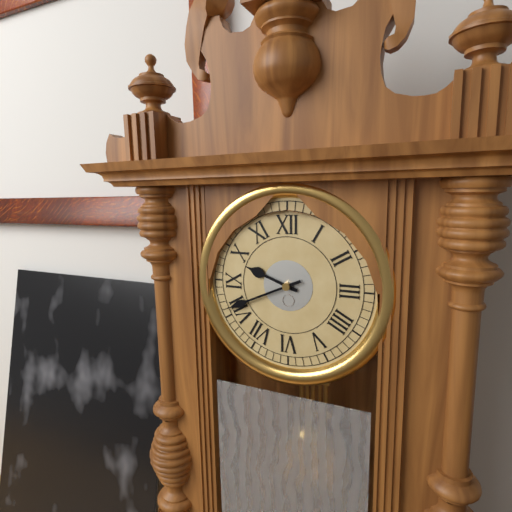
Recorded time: **9:41**
